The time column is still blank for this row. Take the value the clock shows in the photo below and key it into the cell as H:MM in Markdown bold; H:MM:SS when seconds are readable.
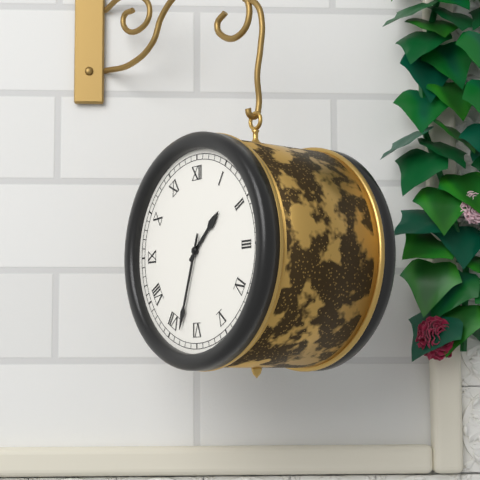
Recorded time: **1:33**
